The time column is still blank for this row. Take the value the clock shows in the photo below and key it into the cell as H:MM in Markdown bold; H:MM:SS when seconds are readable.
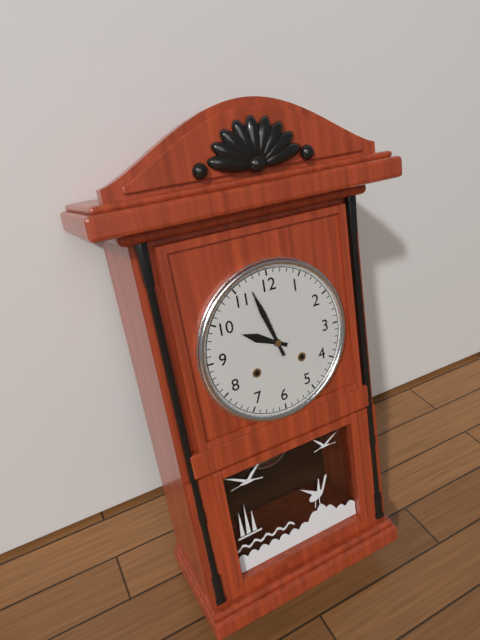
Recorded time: **9:57**
